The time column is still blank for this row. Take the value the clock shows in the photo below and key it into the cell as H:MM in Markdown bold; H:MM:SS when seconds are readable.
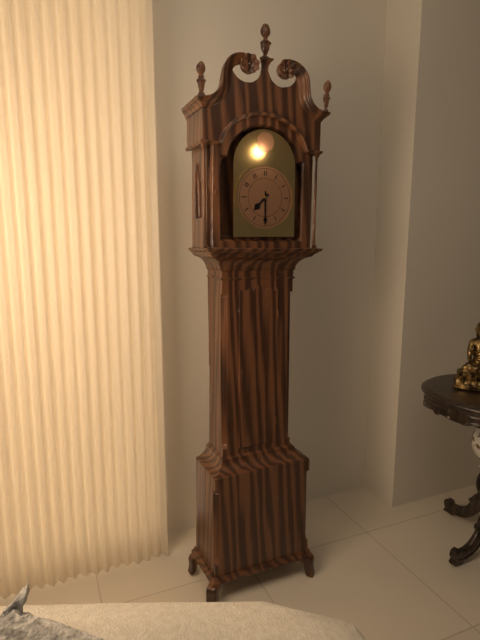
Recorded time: **7:30**
